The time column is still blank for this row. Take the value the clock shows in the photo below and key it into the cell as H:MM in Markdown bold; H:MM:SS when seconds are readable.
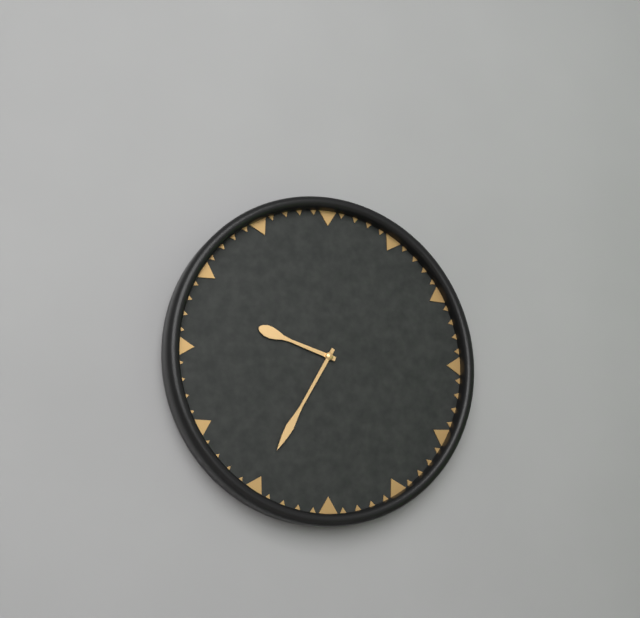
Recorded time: **9:35**
